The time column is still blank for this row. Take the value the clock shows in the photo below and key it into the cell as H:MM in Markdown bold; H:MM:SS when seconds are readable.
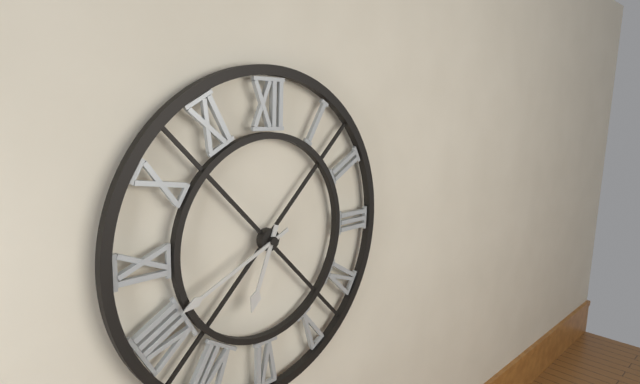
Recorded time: **6:41**
